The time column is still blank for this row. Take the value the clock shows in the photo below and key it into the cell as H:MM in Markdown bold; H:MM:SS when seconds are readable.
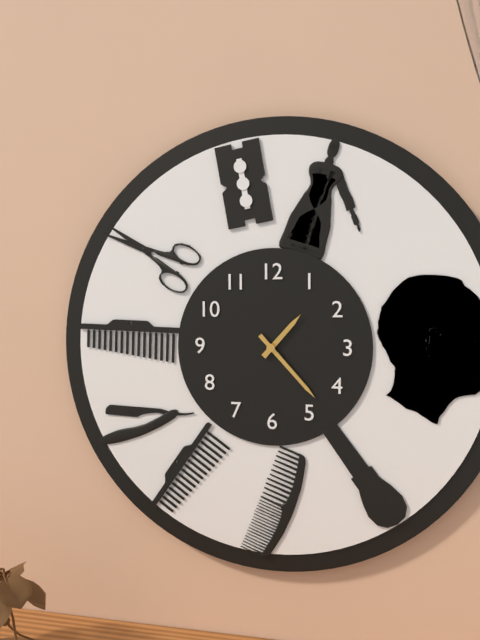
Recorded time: **1:23**
